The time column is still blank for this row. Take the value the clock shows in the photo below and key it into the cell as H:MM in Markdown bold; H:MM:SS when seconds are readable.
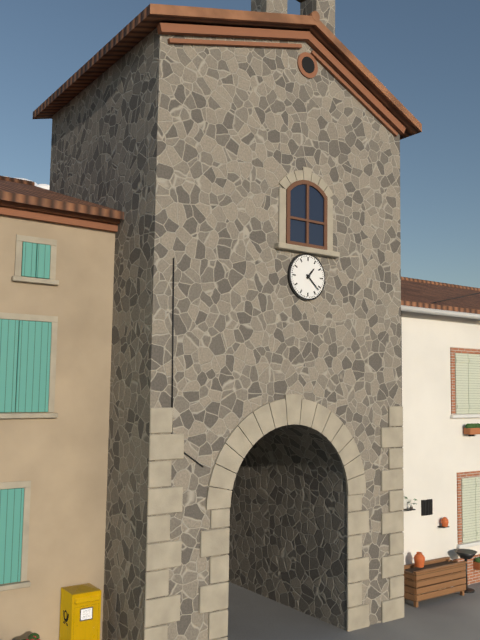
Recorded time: **1:22**
